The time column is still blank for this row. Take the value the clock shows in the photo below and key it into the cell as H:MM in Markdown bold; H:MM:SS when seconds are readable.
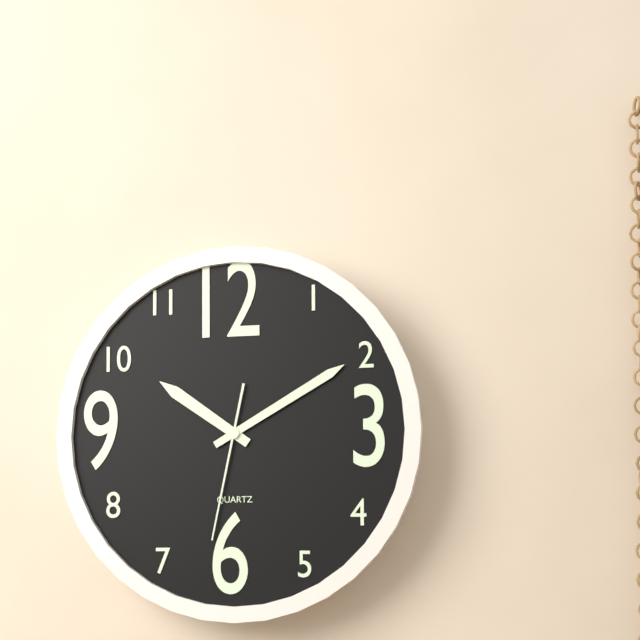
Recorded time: **10:10:32**
